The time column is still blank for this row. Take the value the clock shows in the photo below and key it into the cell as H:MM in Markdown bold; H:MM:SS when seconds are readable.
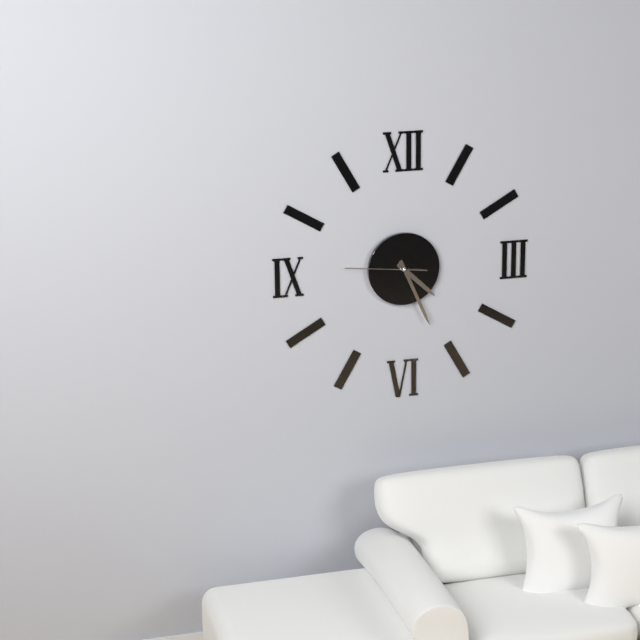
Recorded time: **4:26:46**
